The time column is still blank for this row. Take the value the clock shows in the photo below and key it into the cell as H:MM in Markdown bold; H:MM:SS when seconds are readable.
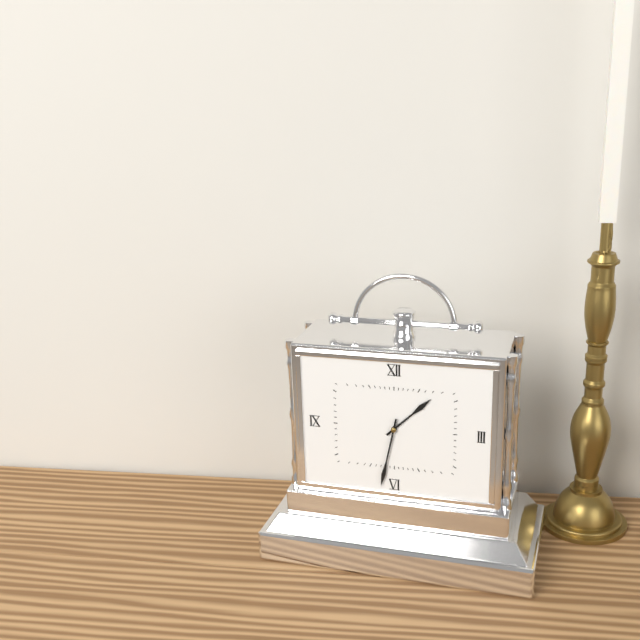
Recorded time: **1:32**
